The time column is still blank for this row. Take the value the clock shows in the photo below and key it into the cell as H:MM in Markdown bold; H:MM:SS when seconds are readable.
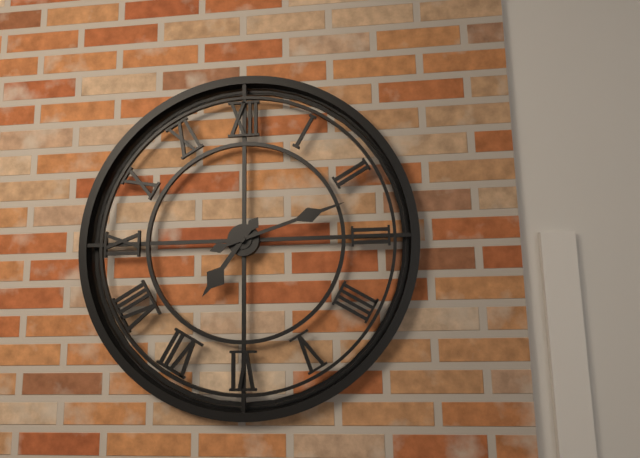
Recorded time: **7:12**
